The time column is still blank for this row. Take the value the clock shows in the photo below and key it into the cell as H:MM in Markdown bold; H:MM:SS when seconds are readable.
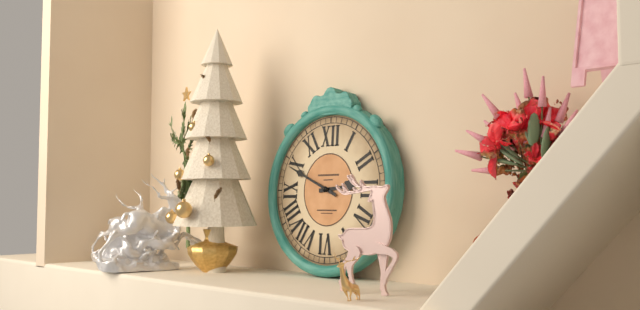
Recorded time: **2:49**
